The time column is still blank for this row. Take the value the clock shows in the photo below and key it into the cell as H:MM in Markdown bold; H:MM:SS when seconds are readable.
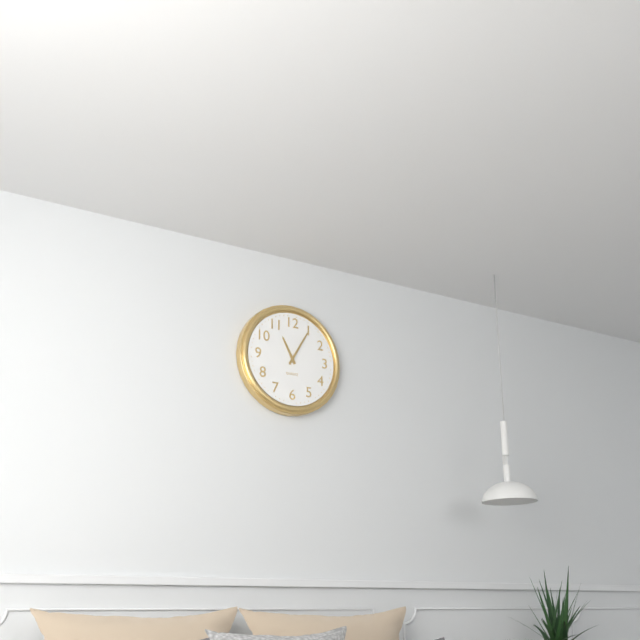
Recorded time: **11:05**
